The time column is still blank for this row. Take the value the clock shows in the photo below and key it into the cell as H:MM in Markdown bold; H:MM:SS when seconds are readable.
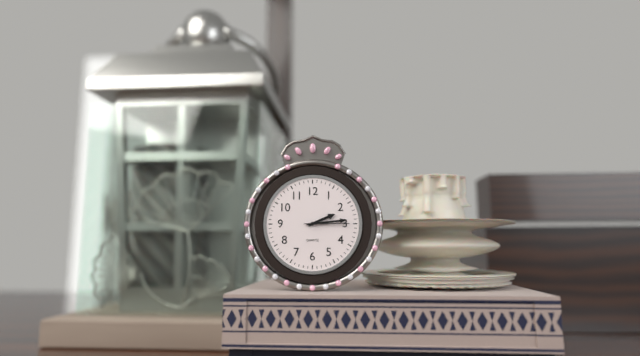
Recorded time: **2:14**
